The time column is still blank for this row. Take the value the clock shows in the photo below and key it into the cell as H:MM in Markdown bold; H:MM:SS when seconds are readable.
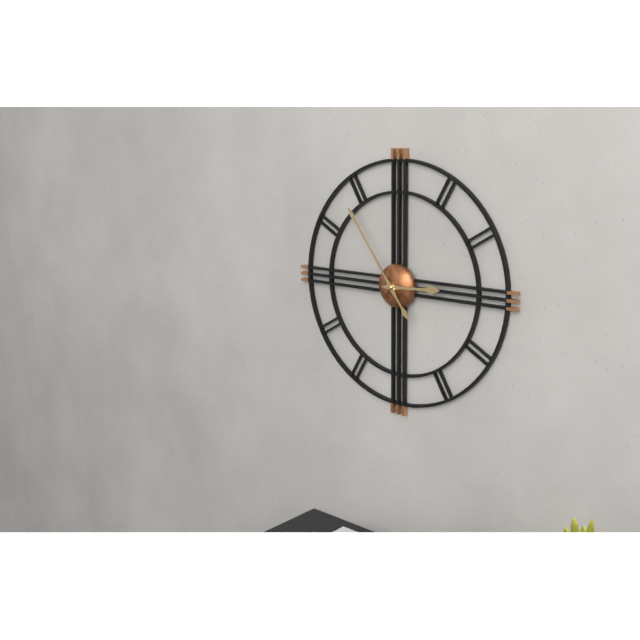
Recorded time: **2:54**
